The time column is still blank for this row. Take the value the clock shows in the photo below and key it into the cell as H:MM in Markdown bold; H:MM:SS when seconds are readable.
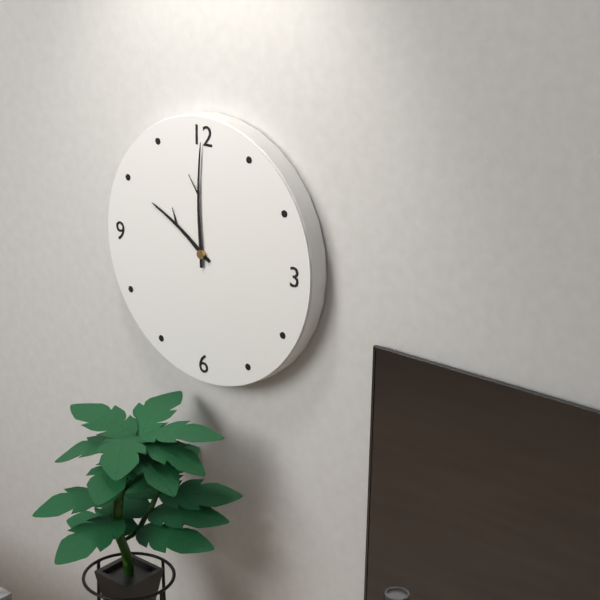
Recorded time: **10:00**
